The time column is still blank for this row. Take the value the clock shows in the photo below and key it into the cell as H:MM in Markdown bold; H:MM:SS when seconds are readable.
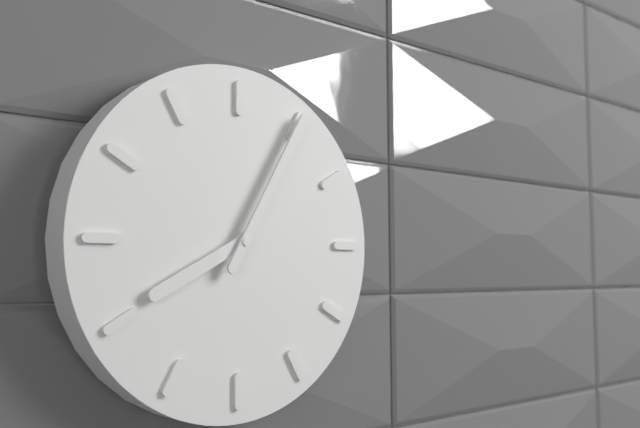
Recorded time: **8:05**
